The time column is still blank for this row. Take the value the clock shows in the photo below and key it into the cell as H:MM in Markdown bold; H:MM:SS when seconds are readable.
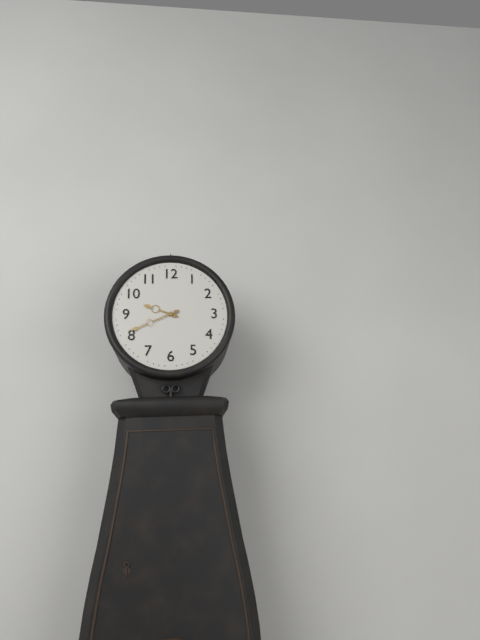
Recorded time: **9:41**
